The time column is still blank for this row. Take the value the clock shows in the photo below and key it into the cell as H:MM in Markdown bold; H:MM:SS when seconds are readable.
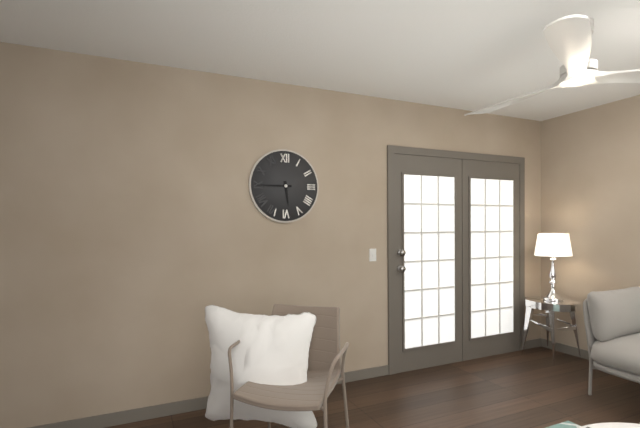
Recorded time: **5:45**
